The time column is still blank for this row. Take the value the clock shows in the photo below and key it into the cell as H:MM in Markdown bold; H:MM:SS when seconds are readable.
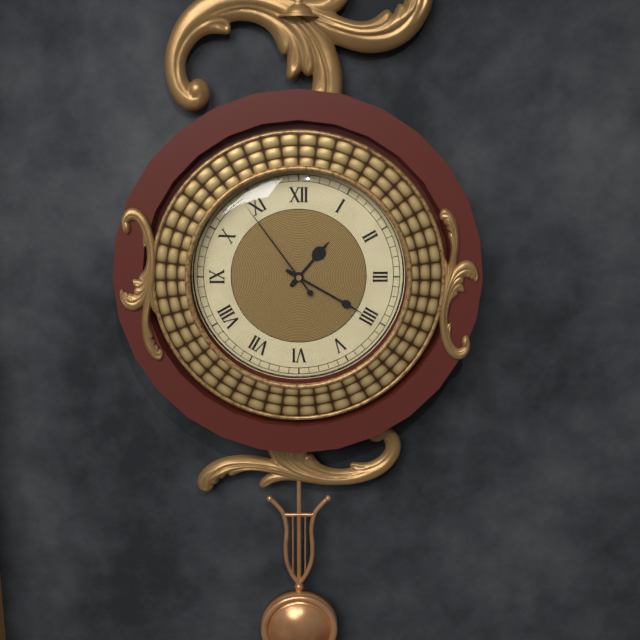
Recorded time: **1:20:54**
